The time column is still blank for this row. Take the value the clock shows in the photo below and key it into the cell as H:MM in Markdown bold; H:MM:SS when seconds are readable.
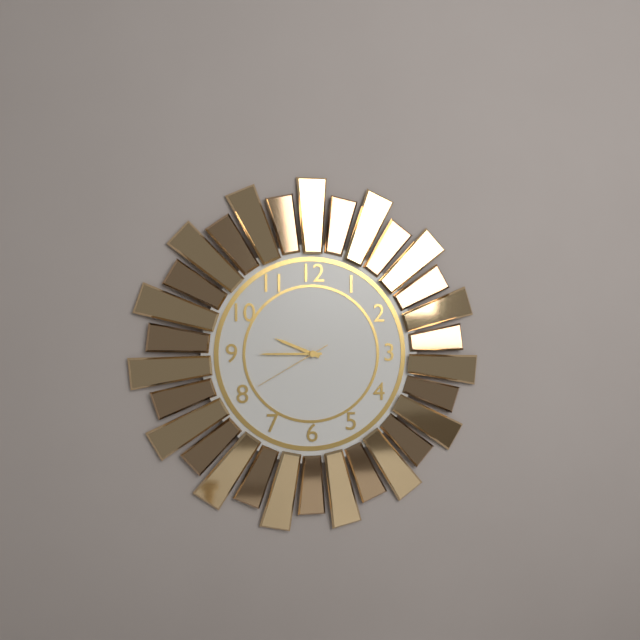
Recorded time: **9:45:40**
